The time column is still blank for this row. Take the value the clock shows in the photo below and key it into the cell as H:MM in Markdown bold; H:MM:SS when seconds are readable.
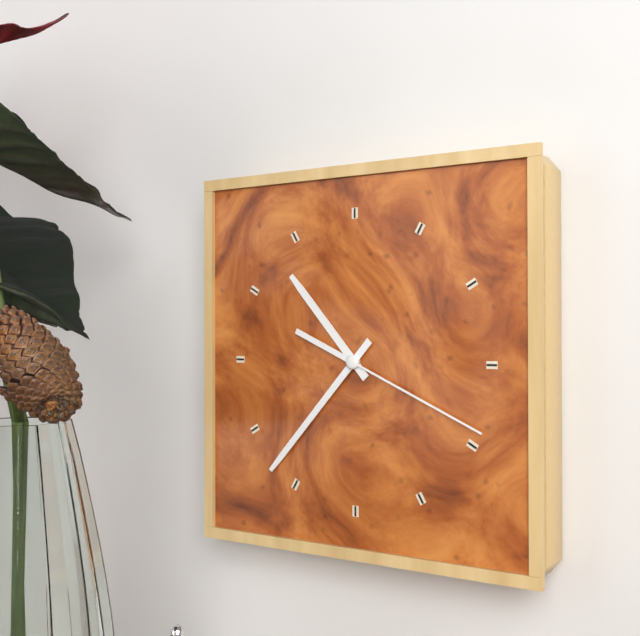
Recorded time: **10:37:19**
